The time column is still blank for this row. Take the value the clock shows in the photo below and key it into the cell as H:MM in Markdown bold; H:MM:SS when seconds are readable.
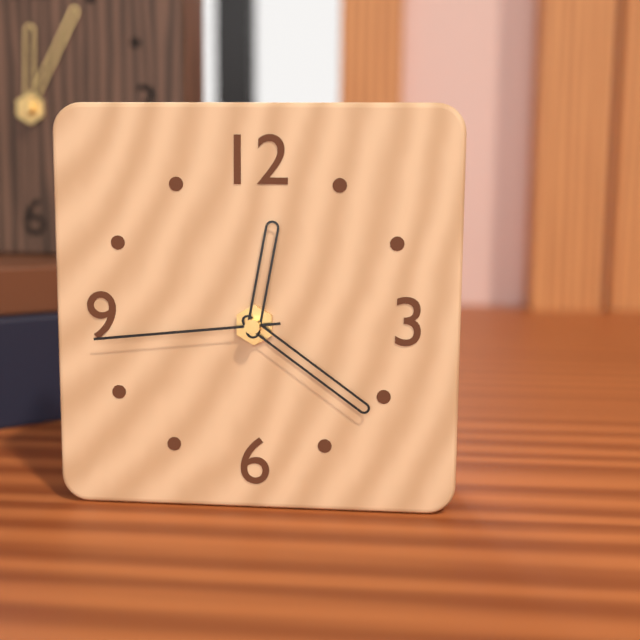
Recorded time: **12:21:44**
